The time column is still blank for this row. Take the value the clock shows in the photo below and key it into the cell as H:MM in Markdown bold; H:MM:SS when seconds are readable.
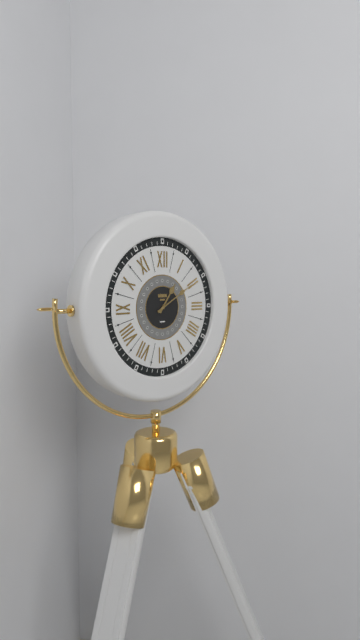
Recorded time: **1:10**
